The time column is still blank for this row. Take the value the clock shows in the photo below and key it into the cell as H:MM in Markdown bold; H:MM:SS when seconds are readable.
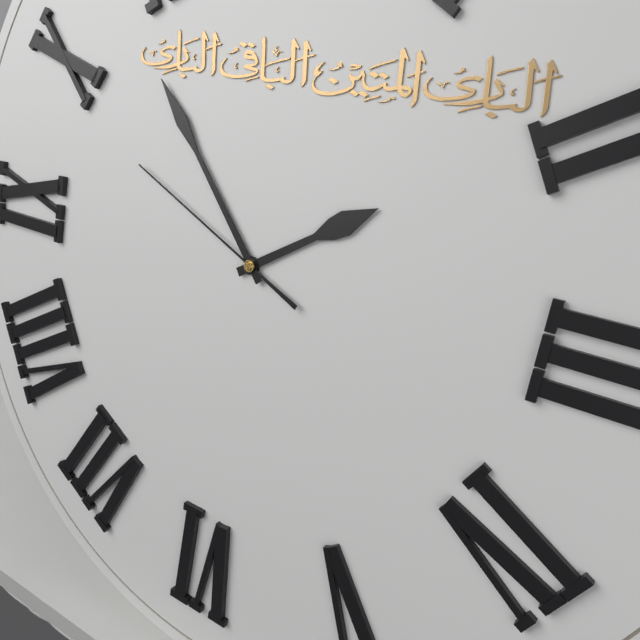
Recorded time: **1:53:49**
